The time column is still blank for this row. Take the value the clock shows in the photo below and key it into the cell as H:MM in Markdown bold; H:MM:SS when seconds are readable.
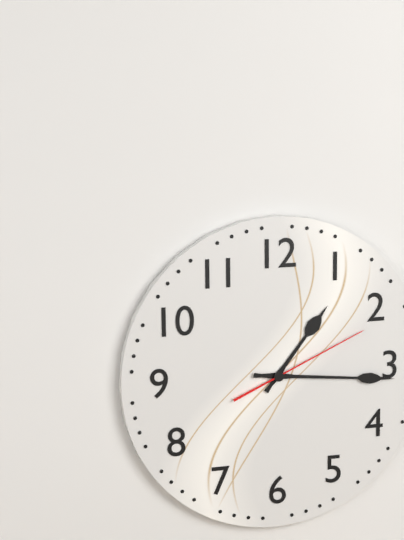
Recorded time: **1:16:11**
